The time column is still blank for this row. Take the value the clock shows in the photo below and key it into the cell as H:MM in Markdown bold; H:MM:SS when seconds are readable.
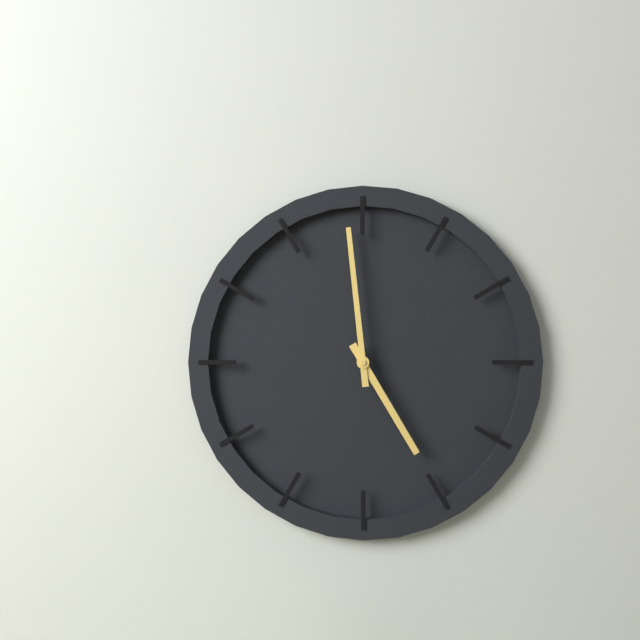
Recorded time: **4:59**
